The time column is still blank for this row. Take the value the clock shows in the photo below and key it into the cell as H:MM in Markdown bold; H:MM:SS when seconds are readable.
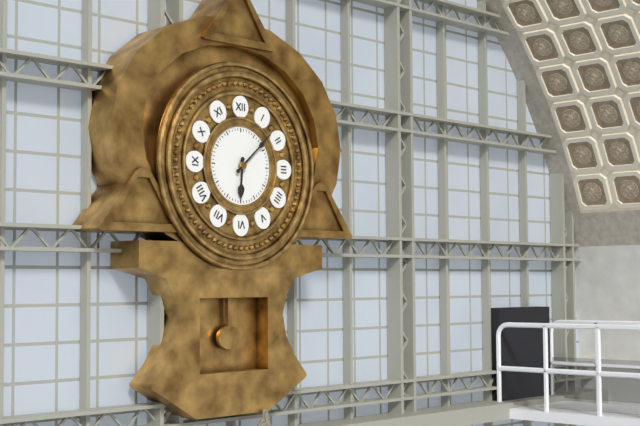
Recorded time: **6:08**
